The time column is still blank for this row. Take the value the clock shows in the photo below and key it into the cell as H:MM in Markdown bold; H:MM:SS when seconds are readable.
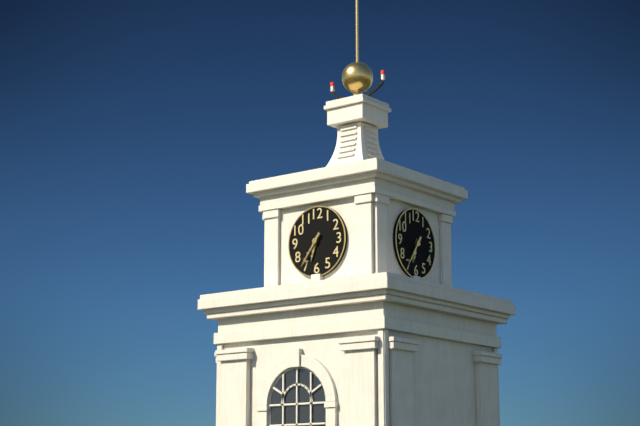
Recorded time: **6:36**
